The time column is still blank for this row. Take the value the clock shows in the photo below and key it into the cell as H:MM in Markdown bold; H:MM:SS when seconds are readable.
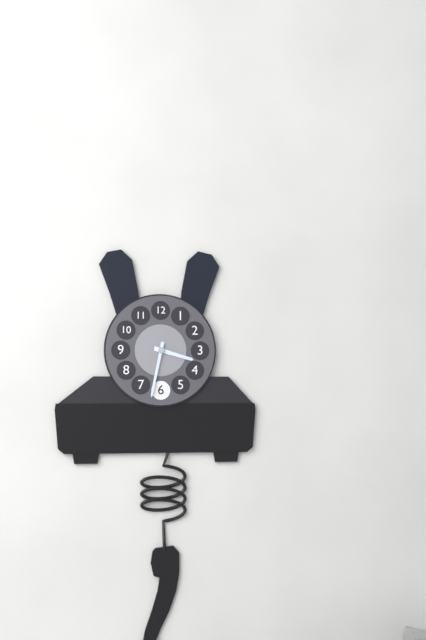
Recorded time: **3:32**
